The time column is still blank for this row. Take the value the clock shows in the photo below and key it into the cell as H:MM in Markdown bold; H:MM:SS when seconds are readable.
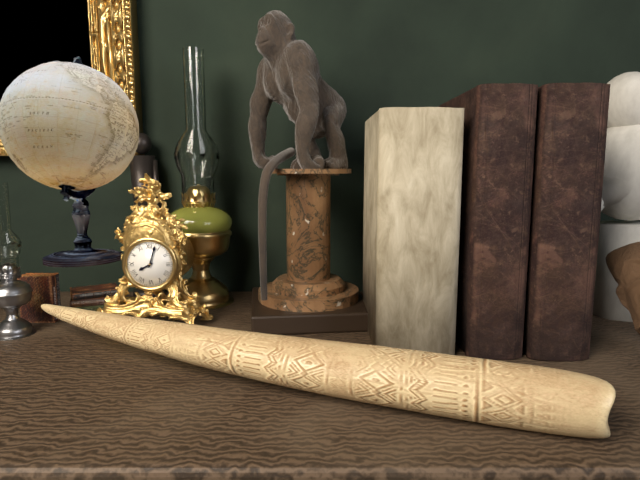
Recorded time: **8:03**
